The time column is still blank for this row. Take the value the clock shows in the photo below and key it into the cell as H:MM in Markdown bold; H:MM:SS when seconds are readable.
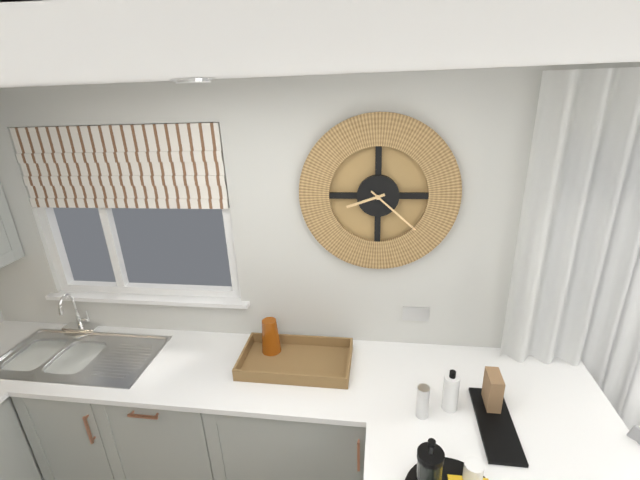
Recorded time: **8:22**
